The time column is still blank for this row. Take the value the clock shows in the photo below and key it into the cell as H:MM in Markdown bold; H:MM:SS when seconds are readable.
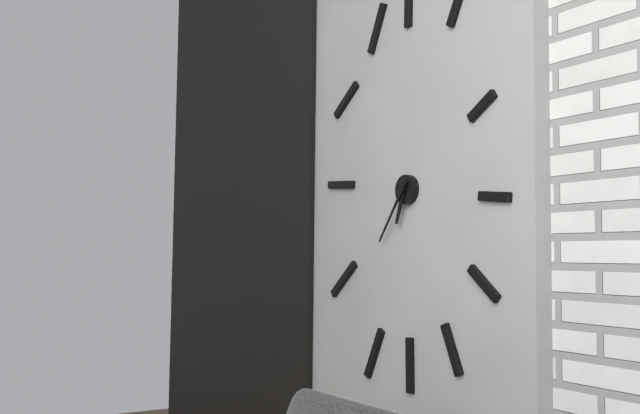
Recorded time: **6:36**
